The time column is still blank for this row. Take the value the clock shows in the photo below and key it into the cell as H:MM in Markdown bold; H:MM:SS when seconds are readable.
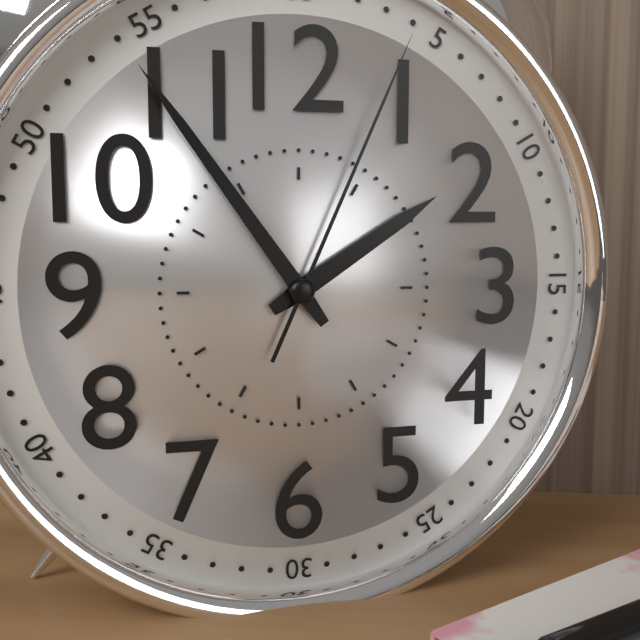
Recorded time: **1:54:04**
